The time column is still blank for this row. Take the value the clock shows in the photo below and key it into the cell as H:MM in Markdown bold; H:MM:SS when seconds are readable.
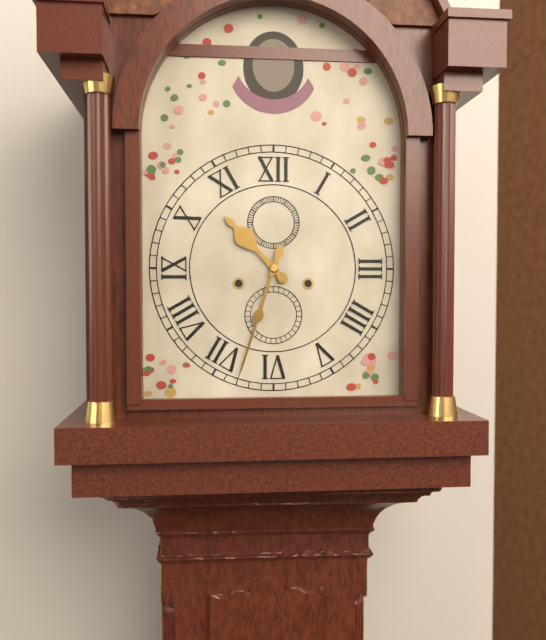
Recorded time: **10:33**
